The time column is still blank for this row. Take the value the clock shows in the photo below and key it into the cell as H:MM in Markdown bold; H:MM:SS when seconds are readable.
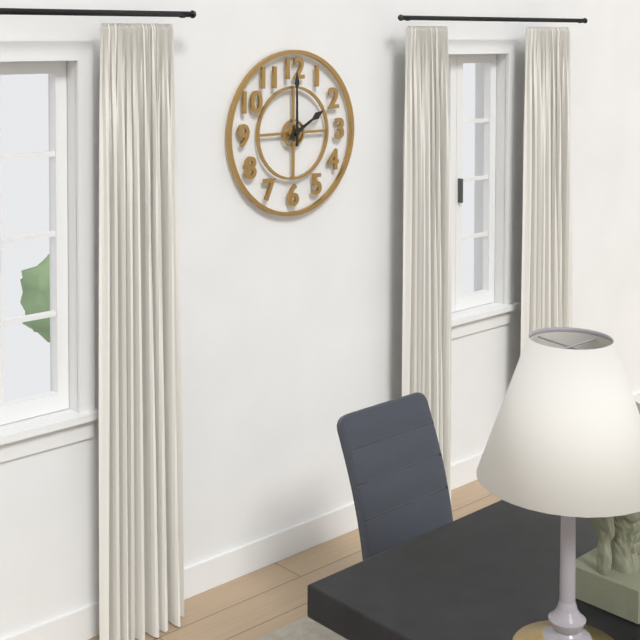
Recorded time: **2:00**
